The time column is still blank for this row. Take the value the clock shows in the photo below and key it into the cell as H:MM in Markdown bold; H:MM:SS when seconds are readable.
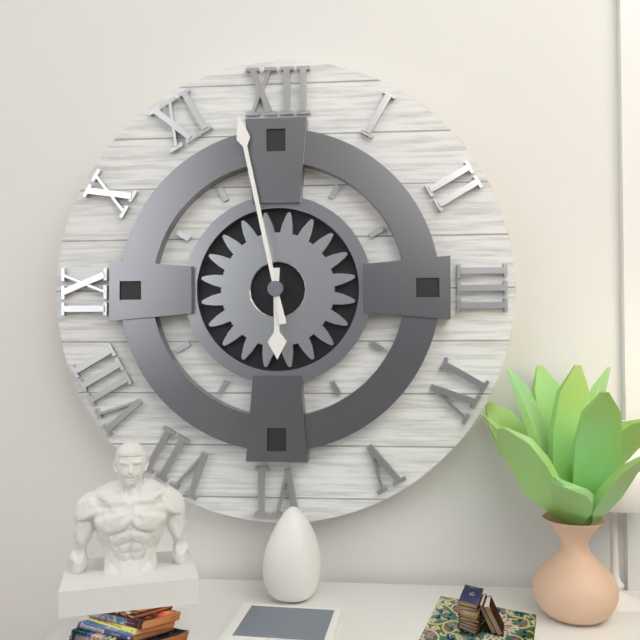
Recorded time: **5:58**
